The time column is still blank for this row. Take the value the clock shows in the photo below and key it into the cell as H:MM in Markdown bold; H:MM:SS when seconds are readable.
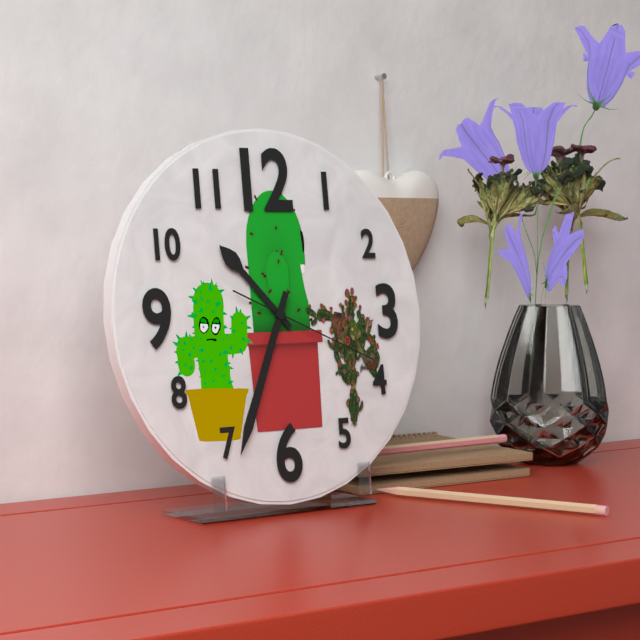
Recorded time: **10:34:19**
